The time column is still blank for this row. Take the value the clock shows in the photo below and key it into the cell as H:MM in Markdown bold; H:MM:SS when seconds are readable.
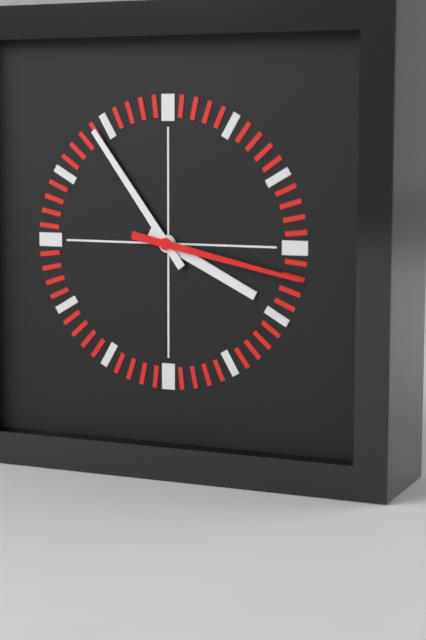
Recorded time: **3:54:17**
